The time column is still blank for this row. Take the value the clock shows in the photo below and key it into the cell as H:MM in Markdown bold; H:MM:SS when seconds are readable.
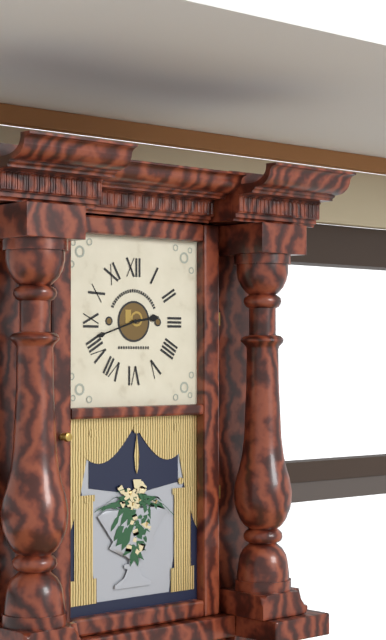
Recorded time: **2:42**
